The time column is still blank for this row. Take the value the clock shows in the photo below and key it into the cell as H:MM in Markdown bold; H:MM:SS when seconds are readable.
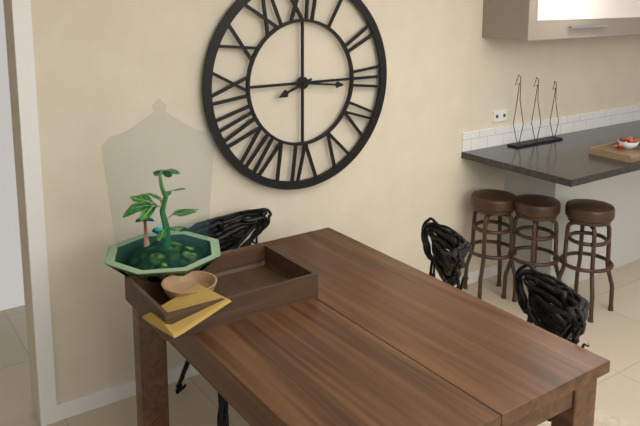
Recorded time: **8:16**
